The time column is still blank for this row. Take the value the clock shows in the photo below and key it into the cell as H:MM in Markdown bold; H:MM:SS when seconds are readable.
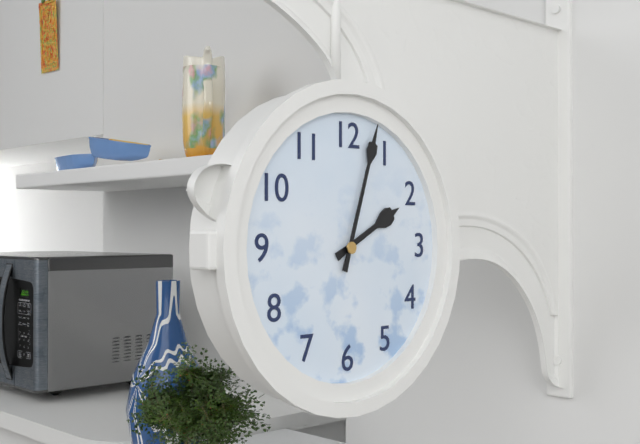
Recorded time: **2:03**
